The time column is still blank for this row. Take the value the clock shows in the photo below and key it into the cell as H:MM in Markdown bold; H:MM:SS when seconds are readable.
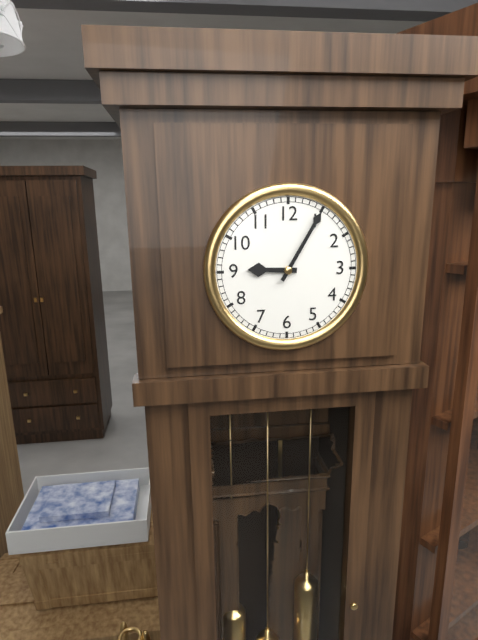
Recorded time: **9:05**
